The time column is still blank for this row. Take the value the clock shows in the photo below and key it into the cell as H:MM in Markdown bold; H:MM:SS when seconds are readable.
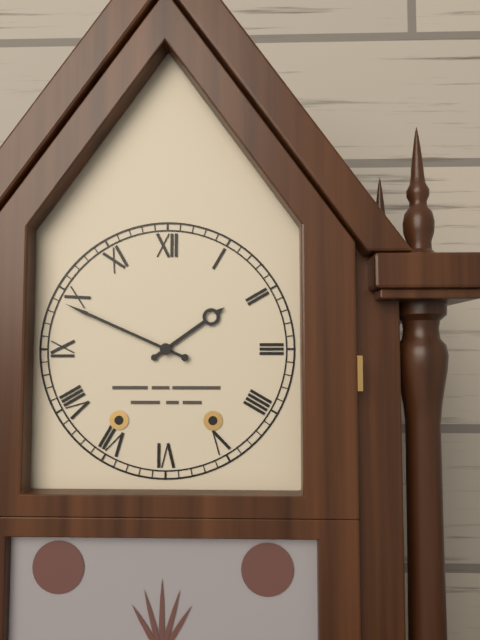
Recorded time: **1:49**
